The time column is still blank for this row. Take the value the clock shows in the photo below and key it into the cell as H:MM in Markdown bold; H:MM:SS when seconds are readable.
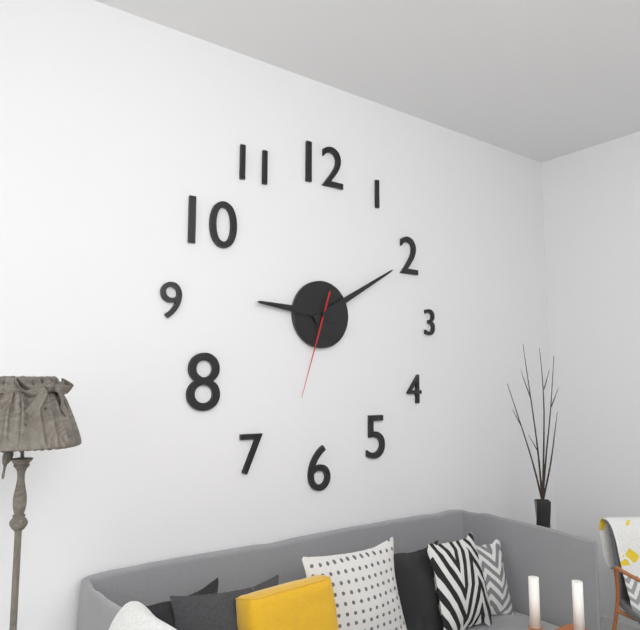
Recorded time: **9:10:33**
